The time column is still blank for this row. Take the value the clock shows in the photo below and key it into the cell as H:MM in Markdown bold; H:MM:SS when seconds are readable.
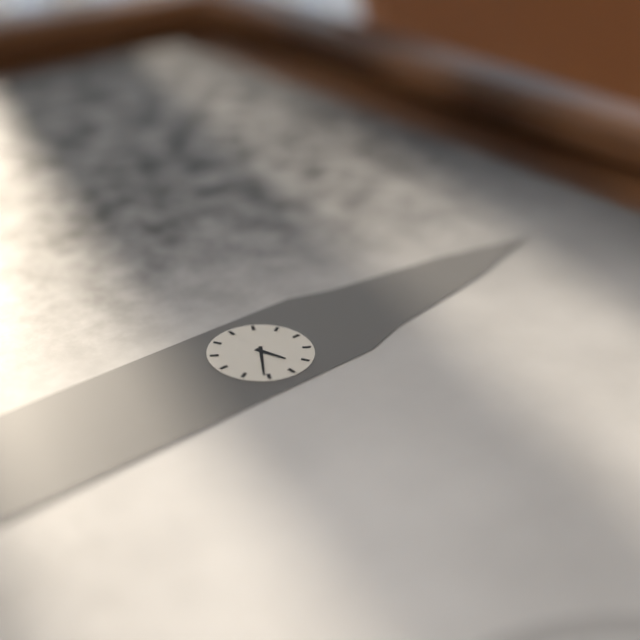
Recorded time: **2:21**
